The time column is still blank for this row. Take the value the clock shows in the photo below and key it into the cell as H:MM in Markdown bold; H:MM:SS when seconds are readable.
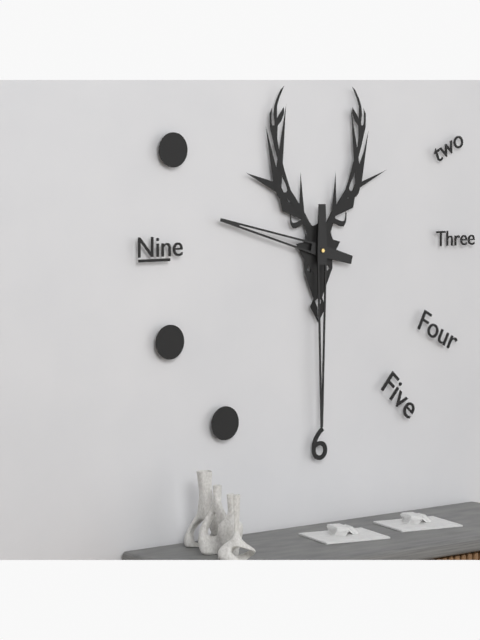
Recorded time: **9:30**
